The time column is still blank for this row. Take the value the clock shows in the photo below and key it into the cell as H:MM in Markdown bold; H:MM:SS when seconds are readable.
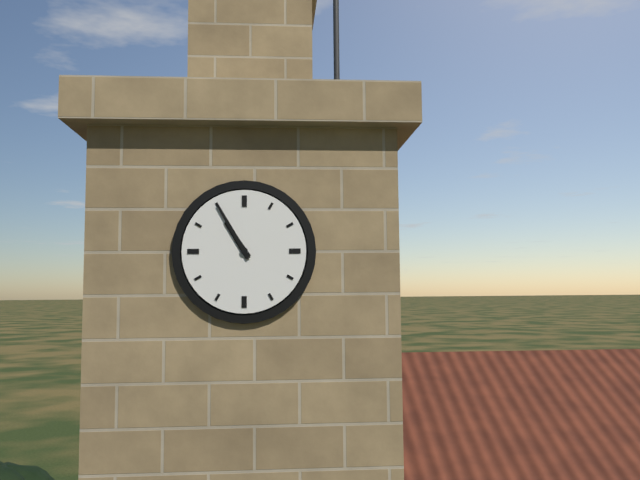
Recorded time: **10:55**
